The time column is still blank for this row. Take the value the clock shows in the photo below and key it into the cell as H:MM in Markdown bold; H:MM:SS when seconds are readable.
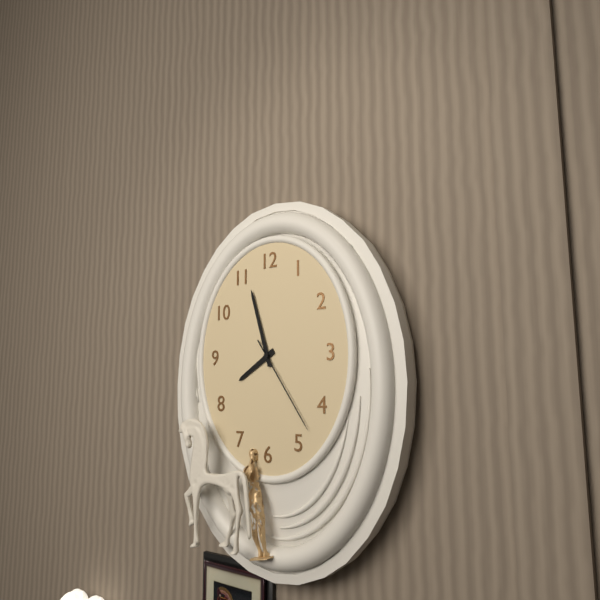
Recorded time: **7:57:24**
